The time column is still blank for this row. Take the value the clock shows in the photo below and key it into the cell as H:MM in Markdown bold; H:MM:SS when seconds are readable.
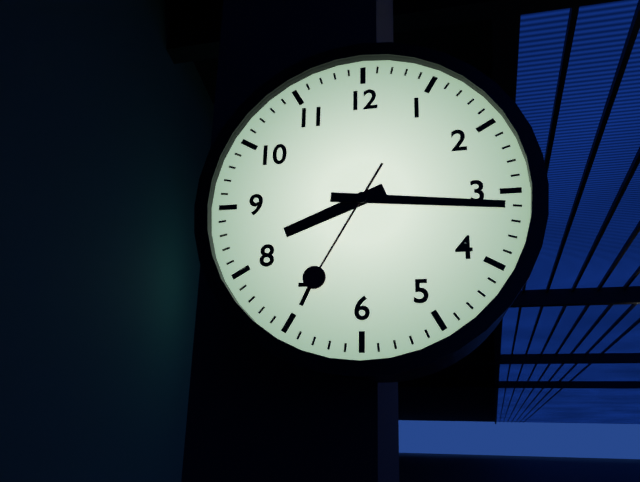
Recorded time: **8:16:35**
